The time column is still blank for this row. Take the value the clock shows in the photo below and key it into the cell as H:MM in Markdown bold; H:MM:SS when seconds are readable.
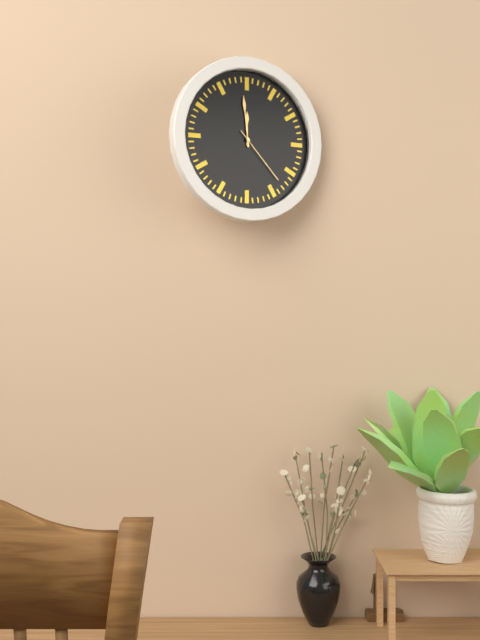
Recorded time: **11:59:23**
